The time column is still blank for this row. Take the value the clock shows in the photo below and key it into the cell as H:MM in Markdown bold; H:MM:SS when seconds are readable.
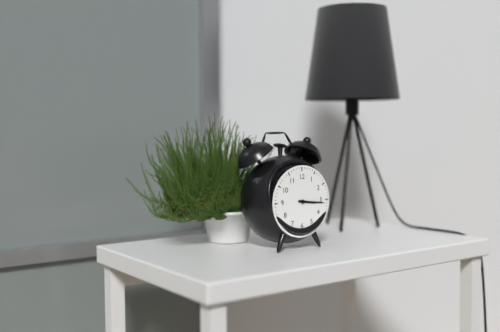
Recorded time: **3:16**
